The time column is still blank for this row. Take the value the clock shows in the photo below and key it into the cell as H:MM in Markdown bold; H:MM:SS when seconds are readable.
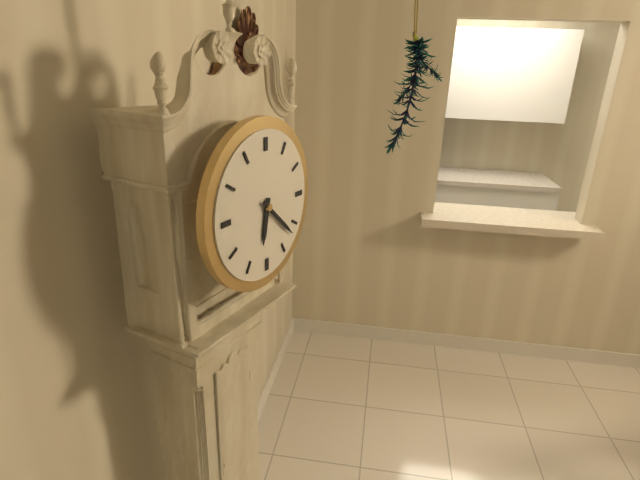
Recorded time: **6:22**
